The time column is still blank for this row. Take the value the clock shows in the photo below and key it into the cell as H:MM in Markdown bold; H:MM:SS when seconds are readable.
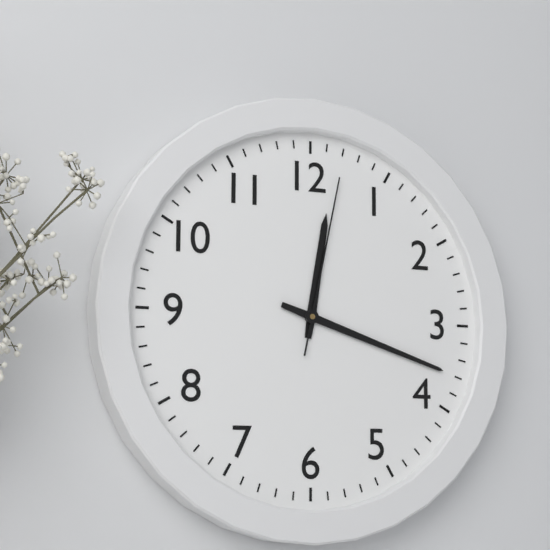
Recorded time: **12:18:02**
